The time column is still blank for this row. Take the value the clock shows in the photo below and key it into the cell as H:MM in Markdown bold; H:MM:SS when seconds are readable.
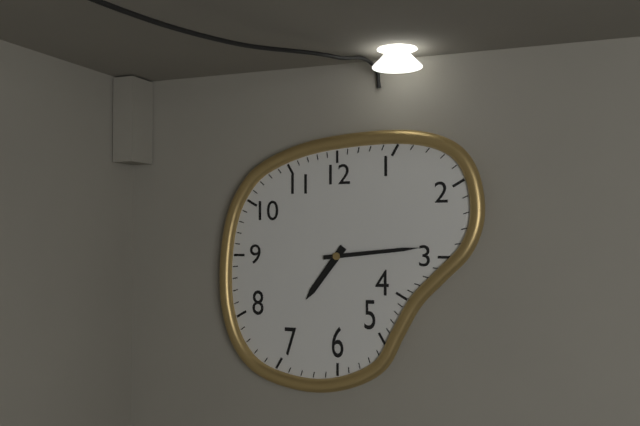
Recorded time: **7:14**
